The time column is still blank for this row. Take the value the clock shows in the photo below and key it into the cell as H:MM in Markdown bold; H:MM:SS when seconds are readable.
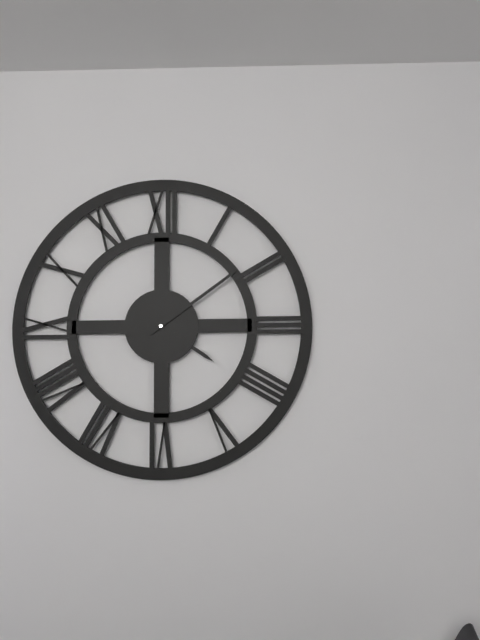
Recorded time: **4:09**
